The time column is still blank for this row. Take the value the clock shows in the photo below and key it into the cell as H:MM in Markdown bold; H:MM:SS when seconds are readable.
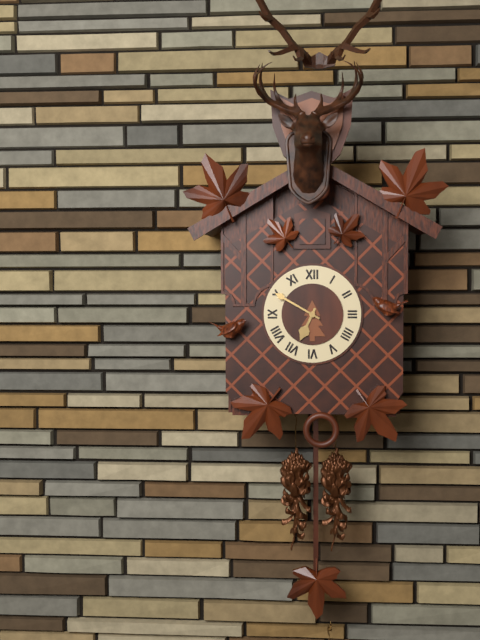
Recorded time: **6:50**
